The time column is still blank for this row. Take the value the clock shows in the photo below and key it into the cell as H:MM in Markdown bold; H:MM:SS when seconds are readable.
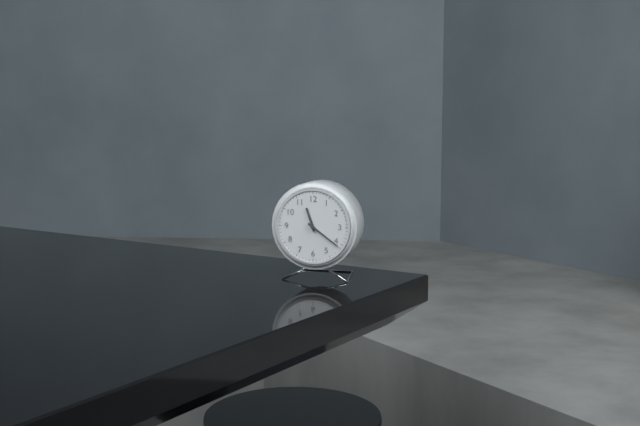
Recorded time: **11:21**
